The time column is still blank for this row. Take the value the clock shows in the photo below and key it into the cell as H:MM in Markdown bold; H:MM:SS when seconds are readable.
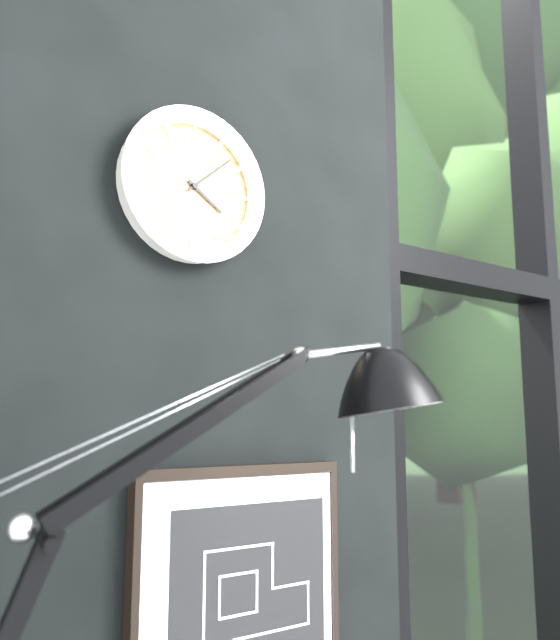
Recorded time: **4:08**
